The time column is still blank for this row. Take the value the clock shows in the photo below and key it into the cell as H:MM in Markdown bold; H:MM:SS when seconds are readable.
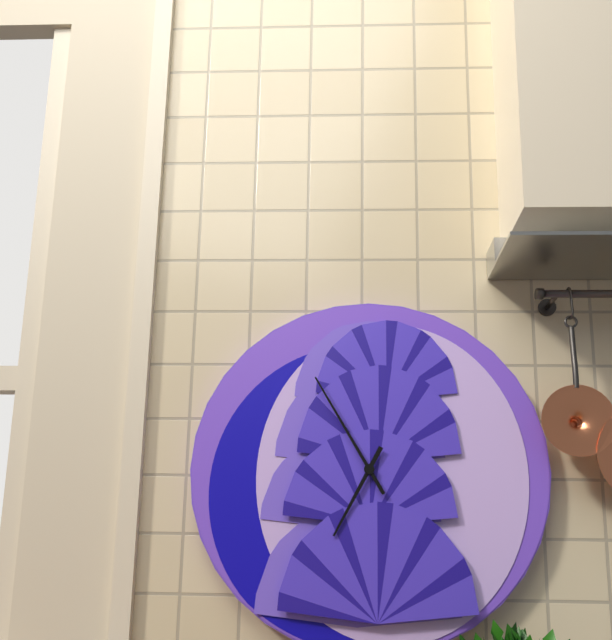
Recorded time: **6:55**
